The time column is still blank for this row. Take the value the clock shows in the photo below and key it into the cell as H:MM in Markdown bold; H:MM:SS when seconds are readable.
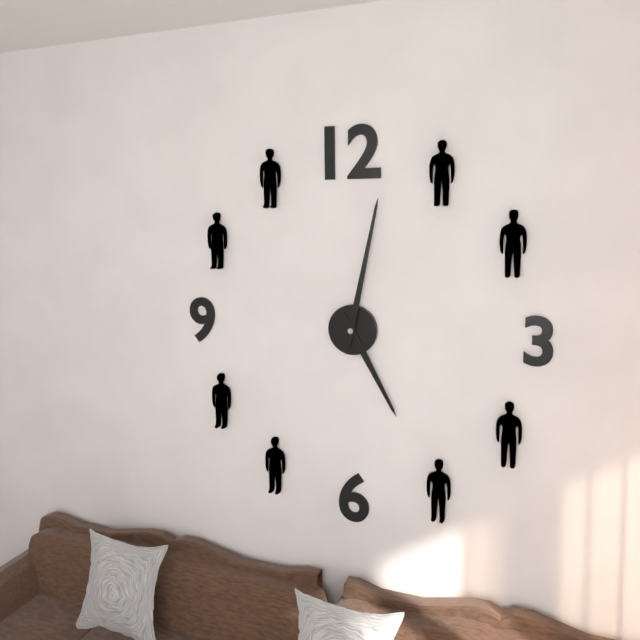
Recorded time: **5:02**
